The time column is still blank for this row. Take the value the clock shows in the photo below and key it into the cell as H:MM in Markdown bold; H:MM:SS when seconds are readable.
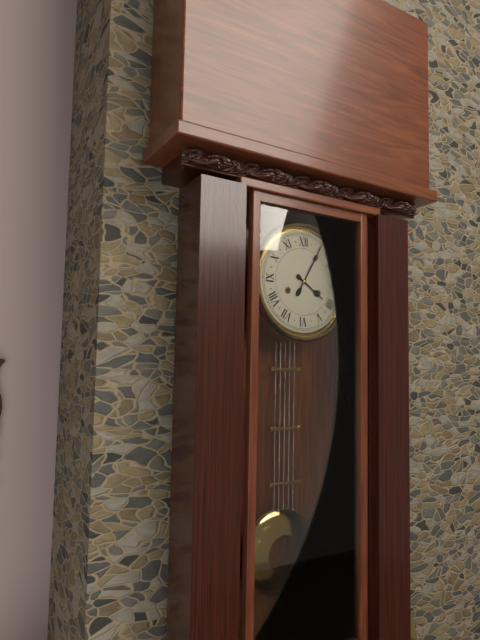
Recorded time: **4:05**
